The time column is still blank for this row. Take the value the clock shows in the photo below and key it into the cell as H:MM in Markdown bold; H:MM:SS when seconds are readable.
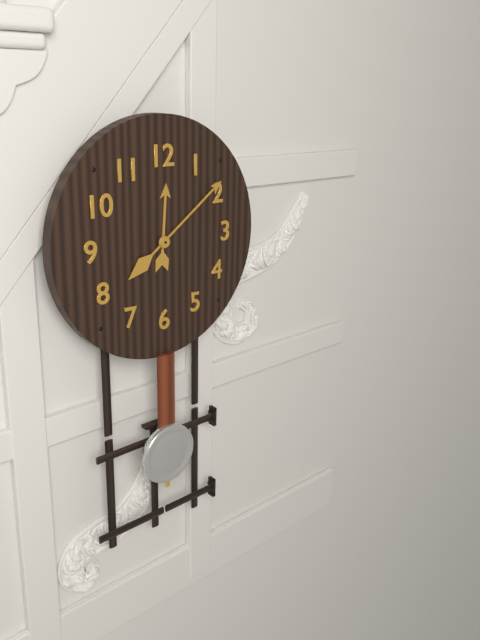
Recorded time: **12:09**
